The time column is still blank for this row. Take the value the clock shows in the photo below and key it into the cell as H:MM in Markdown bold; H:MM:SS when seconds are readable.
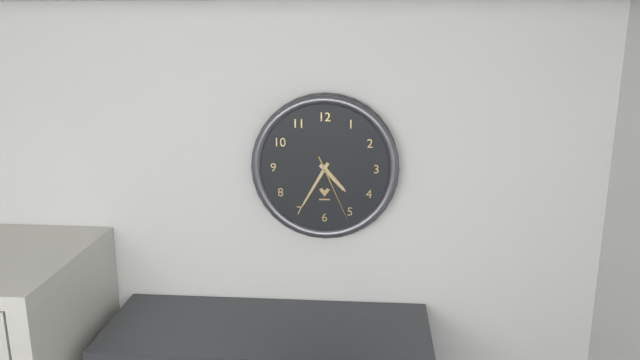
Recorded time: **4:35:26**
